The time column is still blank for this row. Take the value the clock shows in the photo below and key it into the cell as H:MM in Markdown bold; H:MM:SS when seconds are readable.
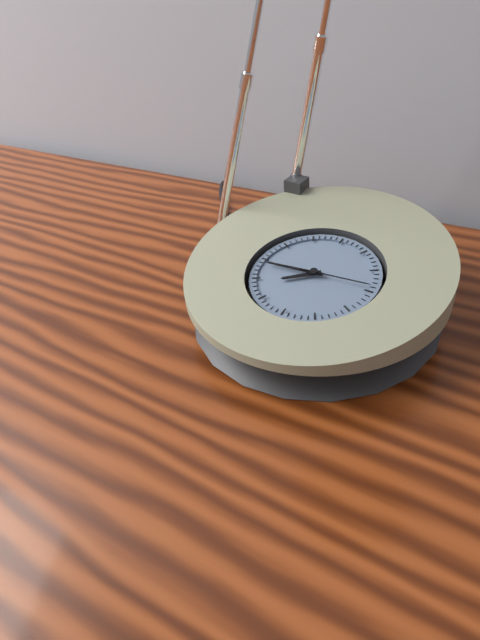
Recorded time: **7:44:14**
